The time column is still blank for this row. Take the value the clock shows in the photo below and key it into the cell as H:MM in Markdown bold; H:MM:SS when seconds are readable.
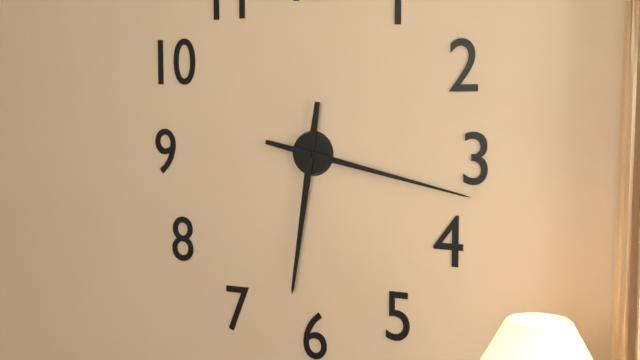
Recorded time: **6:17**
